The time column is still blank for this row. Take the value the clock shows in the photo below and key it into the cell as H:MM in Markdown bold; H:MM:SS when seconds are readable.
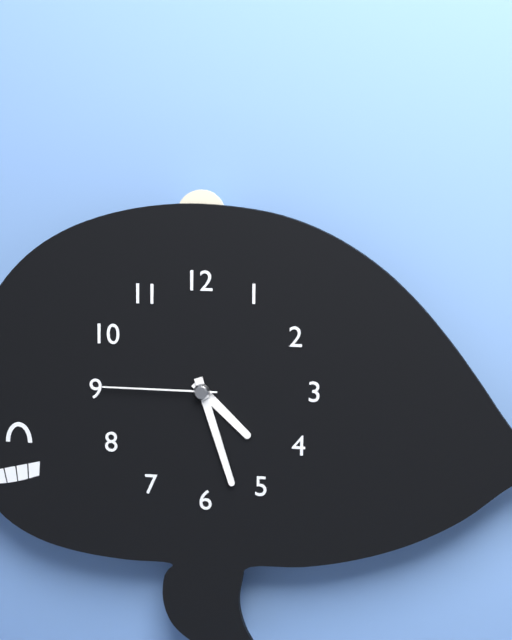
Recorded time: **4:27:45**
